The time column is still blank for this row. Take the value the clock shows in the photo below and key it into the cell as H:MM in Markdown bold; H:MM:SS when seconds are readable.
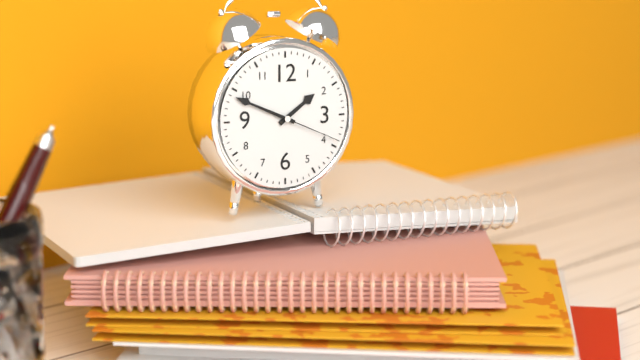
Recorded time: **1:49:19**
